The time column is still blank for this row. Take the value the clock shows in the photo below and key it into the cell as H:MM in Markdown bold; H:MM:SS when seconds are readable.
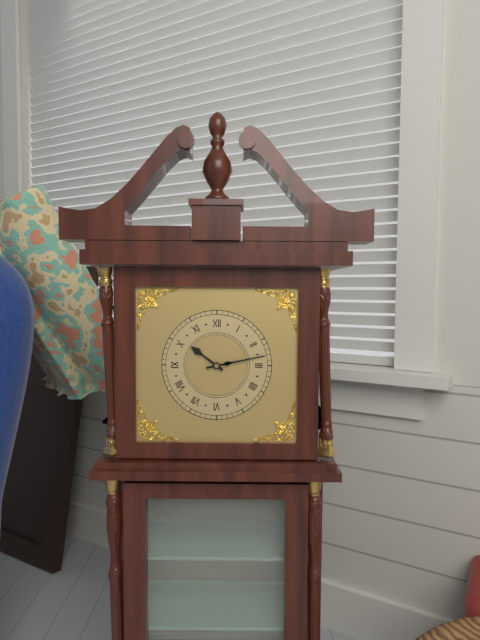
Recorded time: **10:13**
